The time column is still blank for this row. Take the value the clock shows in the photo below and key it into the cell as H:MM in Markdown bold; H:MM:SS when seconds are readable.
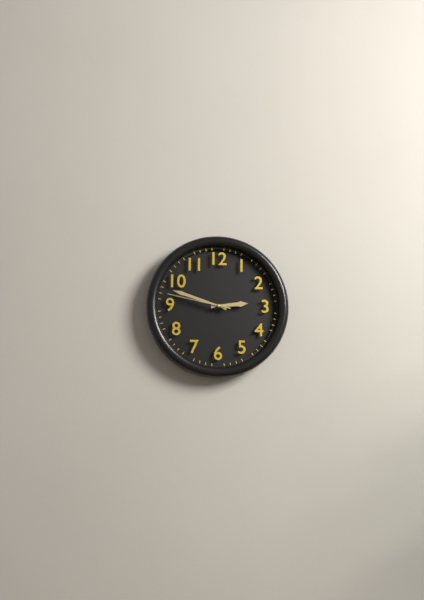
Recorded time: **2:48:47**
